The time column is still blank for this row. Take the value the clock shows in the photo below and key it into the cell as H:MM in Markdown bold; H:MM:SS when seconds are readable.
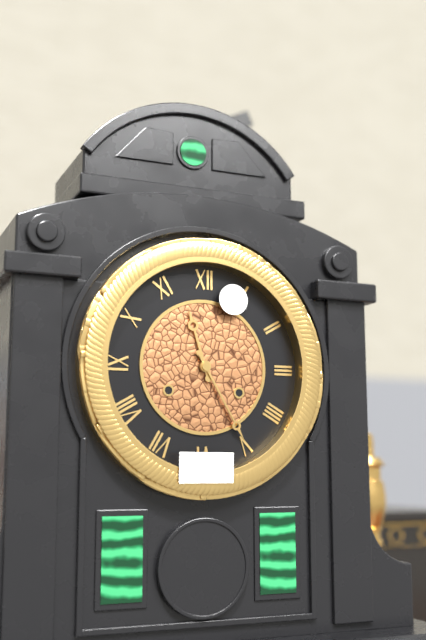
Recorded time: **11:25**
